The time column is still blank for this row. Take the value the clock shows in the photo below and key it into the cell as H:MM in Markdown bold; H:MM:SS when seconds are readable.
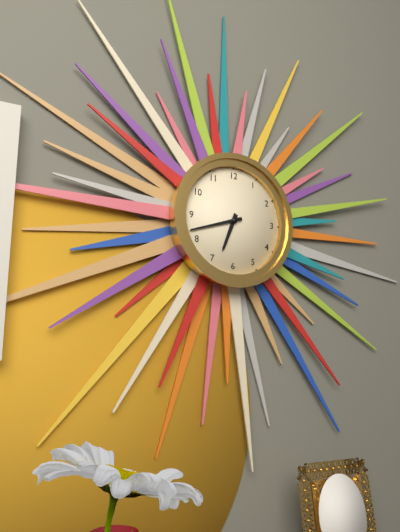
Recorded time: **6:42**
